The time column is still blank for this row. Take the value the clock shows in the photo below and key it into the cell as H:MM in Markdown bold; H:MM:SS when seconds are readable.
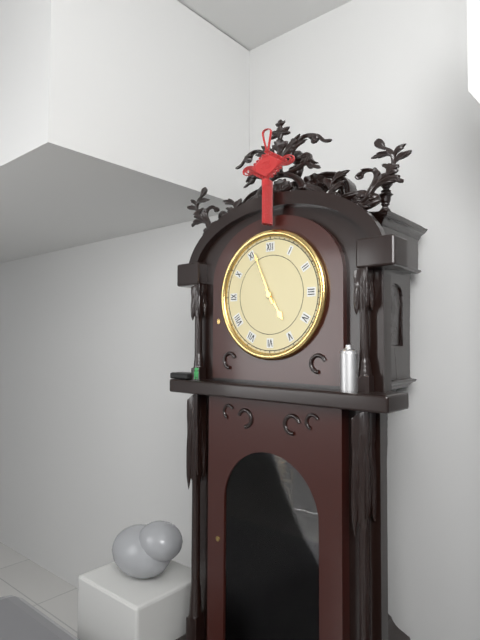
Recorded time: **4:56**
